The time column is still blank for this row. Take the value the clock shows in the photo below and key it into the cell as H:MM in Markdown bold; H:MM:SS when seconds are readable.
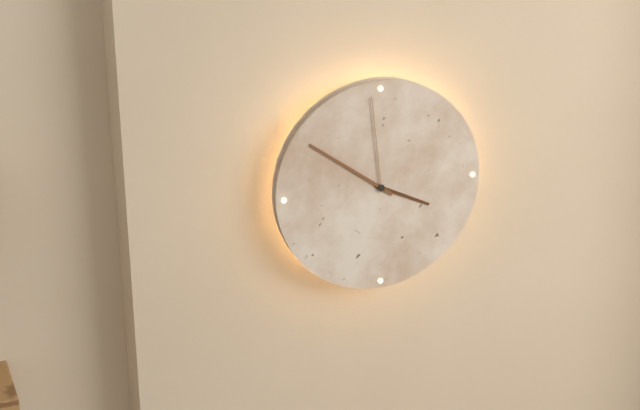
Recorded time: **3:51:59**
